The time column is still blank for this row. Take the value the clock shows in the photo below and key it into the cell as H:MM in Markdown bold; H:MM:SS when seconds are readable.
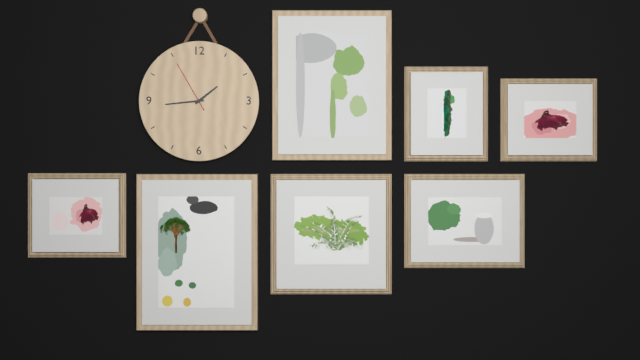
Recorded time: **1:44:55**
